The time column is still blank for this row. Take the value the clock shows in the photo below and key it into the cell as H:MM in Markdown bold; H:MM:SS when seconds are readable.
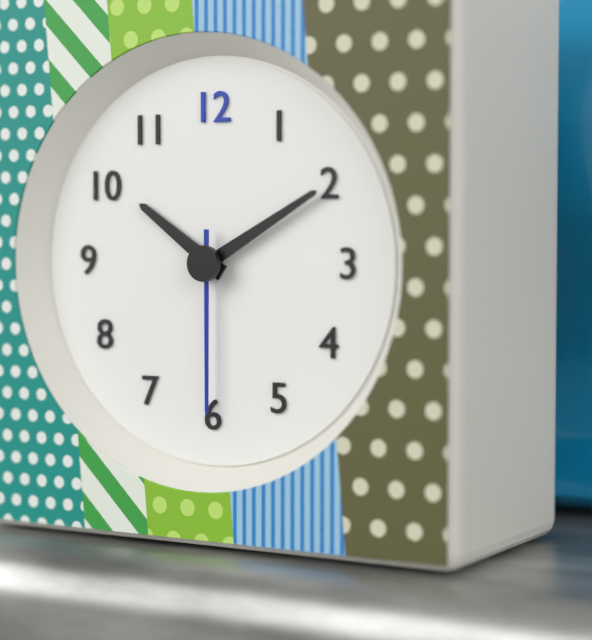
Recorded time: **10:10:30**
